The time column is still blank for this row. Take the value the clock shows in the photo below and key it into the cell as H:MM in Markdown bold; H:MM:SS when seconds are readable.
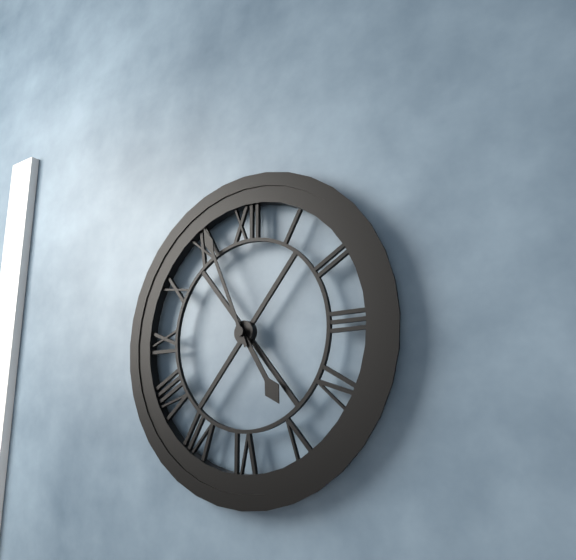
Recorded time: **4:56**
